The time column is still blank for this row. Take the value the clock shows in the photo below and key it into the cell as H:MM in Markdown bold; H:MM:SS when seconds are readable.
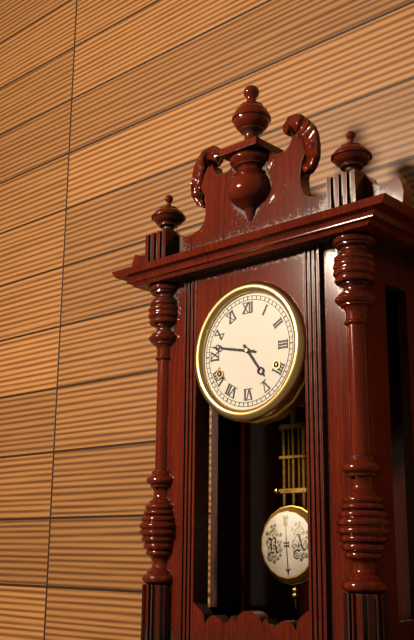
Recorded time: **4:47**
